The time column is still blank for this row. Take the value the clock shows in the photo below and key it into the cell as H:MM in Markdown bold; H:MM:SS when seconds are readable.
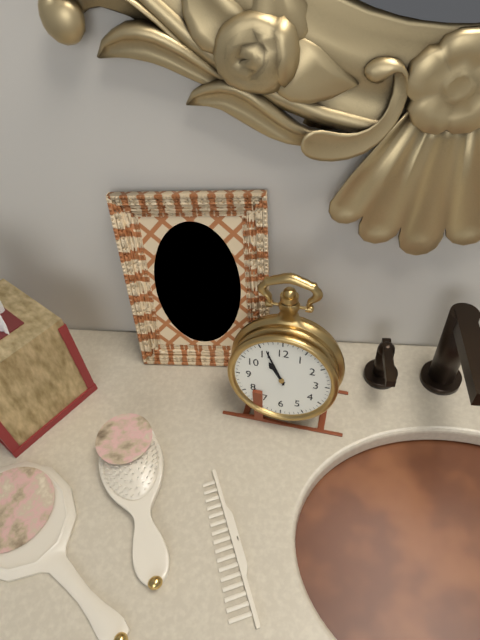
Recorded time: **10:56**
